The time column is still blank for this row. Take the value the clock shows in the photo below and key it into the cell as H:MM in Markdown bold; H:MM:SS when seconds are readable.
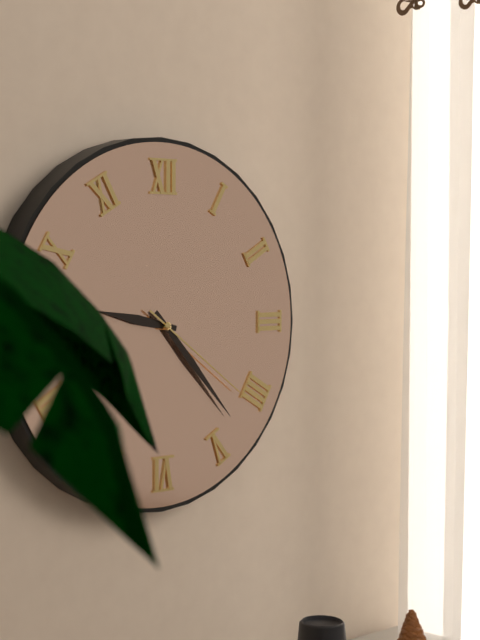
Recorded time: **9:23:21**
